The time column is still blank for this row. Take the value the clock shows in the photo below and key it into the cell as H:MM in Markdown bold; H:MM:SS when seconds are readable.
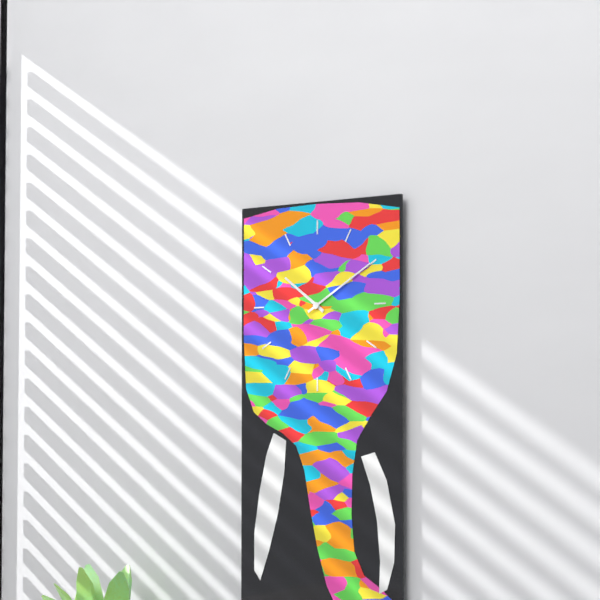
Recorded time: **10:10**
